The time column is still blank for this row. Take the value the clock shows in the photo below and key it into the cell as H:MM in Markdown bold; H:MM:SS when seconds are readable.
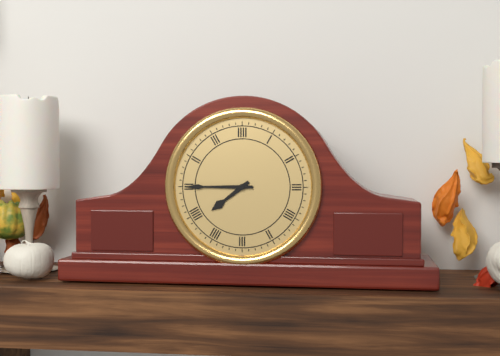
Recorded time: **7:45**
